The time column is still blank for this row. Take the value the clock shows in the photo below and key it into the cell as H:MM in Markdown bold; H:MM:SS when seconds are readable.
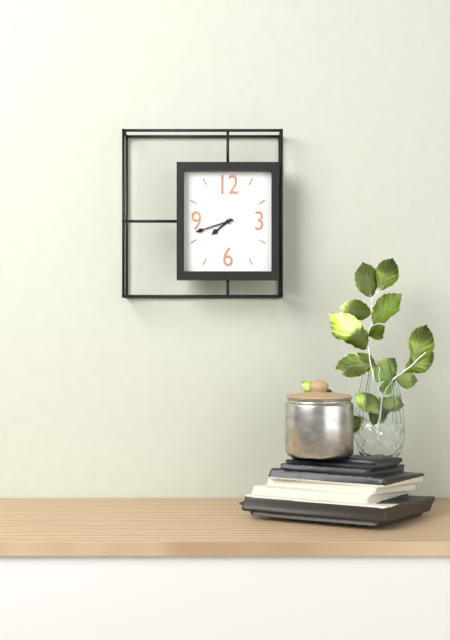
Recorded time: **7:42**
